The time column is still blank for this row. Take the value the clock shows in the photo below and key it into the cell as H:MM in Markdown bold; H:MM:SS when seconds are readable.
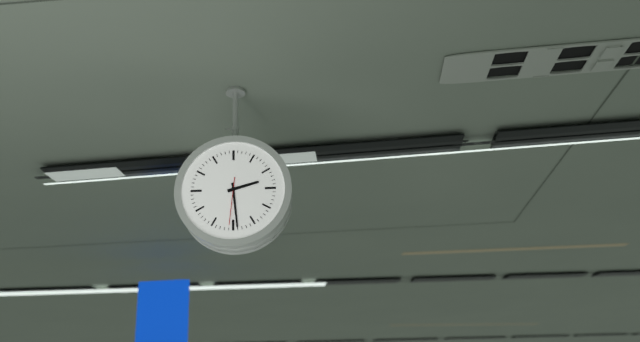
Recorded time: **2:29**
